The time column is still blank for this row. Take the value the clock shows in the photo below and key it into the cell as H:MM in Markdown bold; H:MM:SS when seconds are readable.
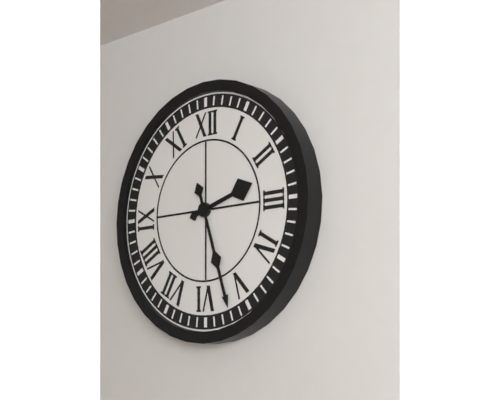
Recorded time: **2:27**
